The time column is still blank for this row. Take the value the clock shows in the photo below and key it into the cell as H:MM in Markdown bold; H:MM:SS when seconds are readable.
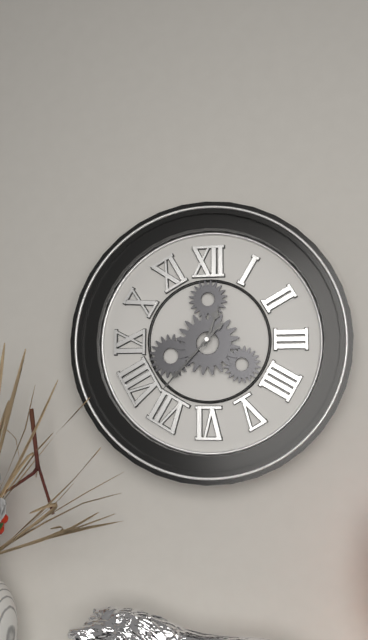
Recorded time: **12:37**
